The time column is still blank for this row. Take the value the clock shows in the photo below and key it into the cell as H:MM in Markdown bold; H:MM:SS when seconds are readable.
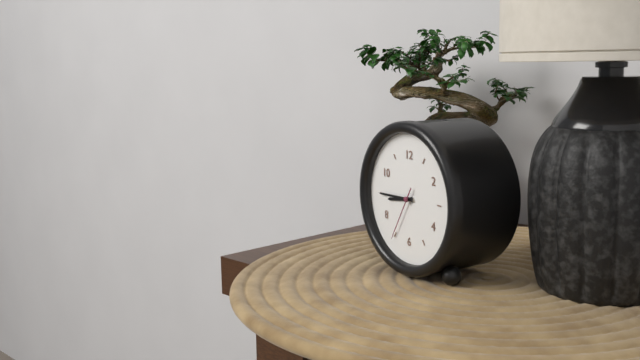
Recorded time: **8:45:35**
